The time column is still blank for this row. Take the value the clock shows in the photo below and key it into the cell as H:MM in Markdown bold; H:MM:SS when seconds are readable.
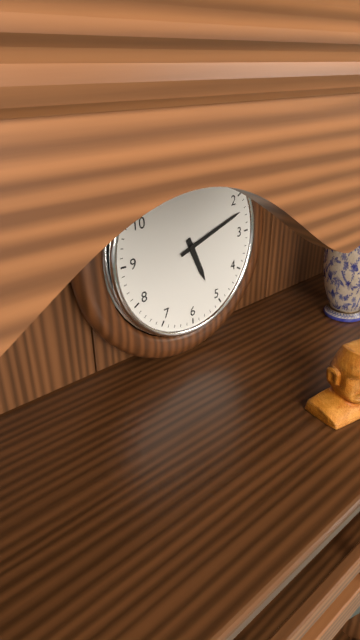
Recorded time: **5:12**
